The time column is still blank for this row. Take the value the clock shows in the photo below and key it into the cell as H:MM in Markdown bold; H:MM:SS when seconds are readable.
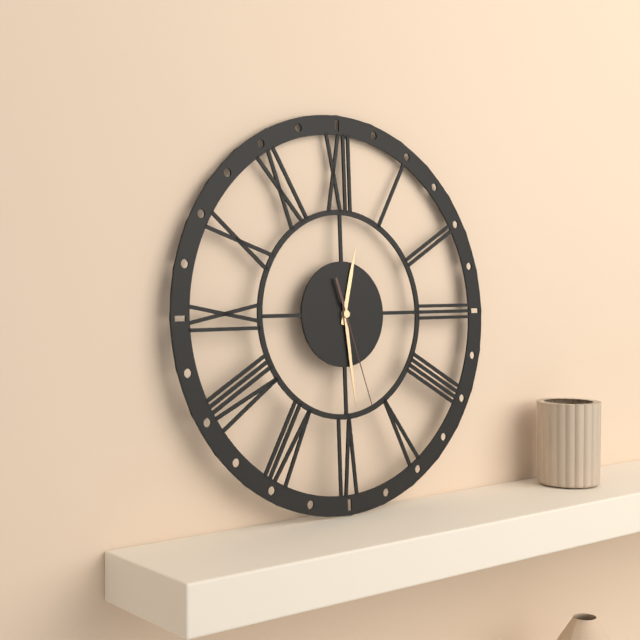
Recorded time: **12:29:27**
